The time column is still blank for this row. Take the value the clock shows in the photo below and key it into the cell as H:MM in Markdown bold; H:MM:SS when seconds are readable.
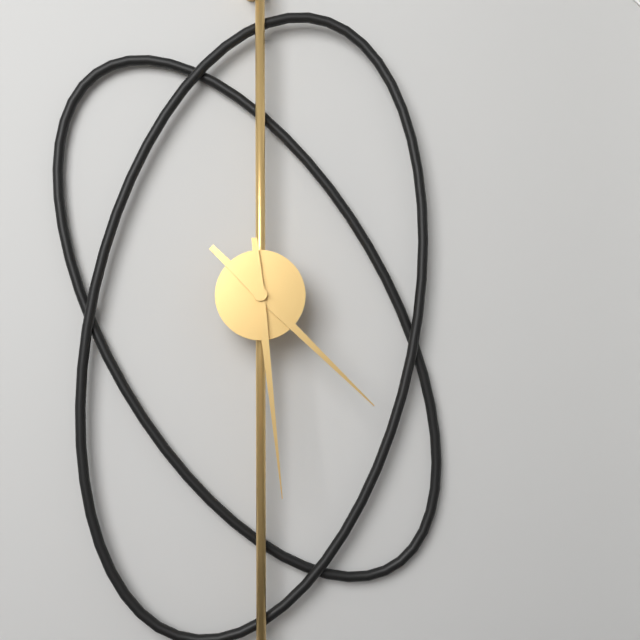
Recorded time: **4:29**
